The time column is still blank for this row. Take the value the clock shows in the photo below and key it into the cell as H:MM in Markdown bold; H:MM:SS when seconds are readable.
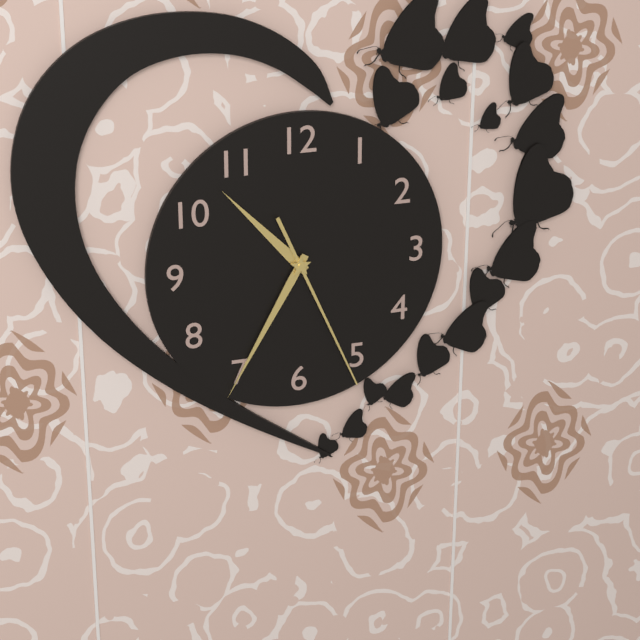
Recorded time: **10:35:26**
